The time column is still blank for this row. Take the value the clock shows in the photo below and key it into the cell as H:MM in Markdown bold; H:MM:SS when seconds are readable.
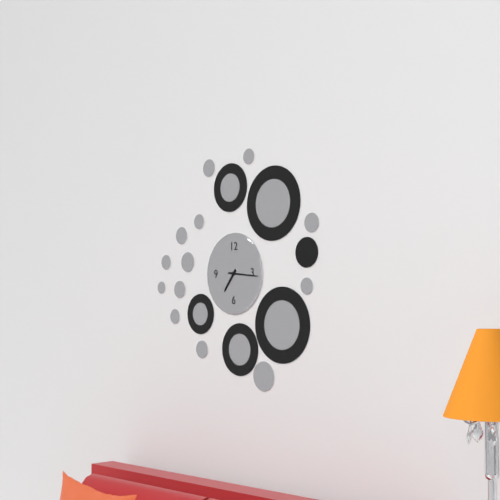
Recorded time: **7:16**
